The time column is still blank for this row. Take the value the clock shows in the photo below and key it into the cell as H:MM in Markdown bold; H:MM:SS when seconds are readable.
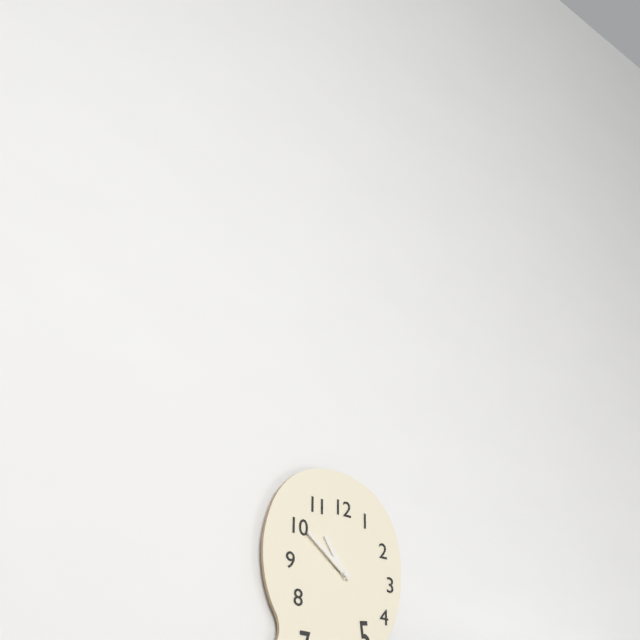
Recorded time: **10:51**
